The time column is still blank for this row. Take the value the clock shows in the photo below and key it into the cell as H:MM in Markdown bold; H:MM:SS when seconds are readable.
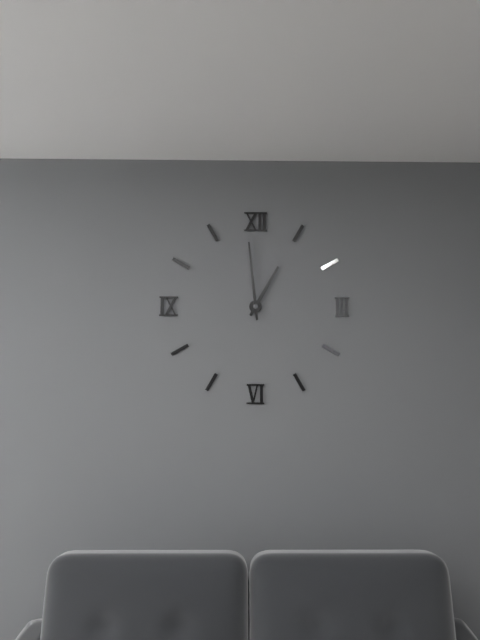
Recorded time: **12:59**
